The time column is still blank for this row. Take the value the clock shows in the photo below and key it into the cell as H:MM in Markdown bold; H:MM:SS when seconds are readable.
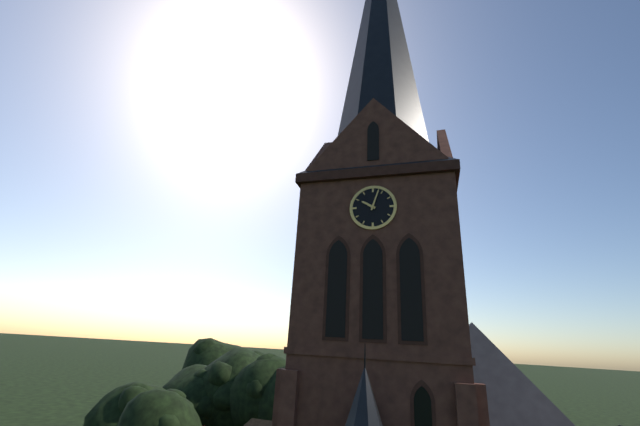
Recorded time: **10:03**
